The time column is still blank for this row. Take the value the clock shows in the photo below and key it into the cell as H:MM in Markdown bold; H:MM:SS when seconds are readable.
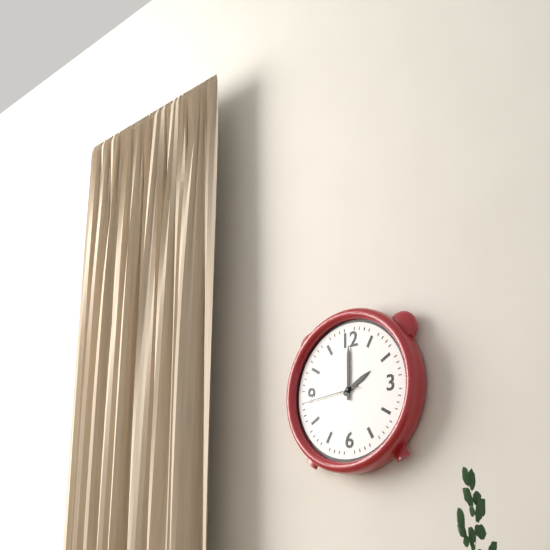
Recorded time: **2:00:44**
